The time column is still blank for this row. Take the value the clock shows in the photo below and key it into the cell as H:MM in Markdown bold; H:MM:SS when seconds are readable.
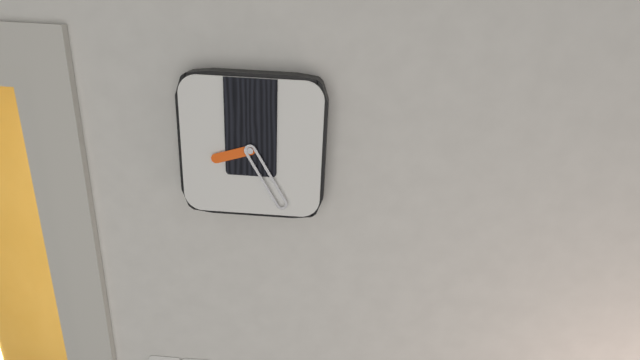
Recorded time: **8:25**
